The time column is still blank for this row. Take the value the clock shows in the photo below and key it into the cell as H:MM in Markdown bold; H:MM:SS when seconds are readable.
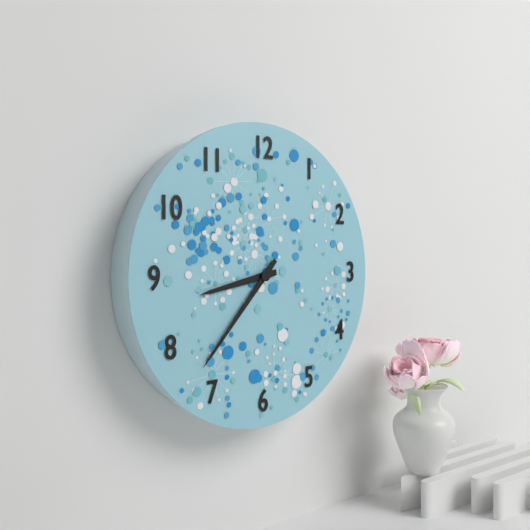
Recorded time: **8:37**
